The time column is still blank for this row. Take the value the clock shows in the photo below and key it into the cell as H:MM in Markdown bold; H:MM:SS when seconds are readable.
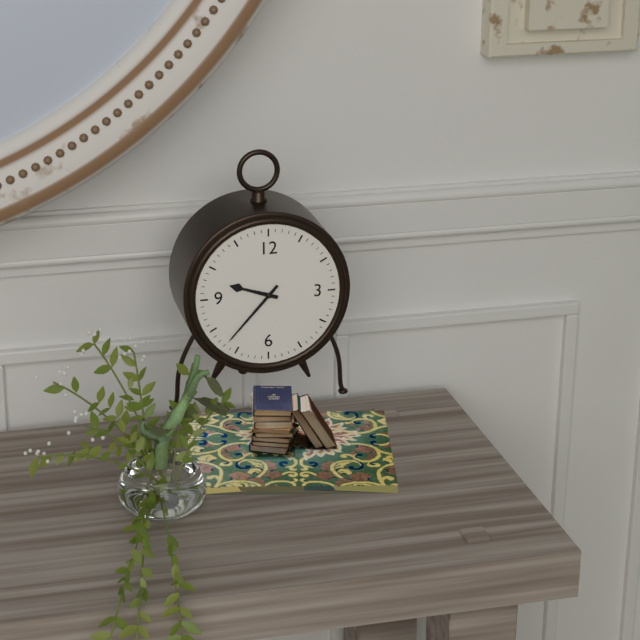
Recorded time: **9:37**
